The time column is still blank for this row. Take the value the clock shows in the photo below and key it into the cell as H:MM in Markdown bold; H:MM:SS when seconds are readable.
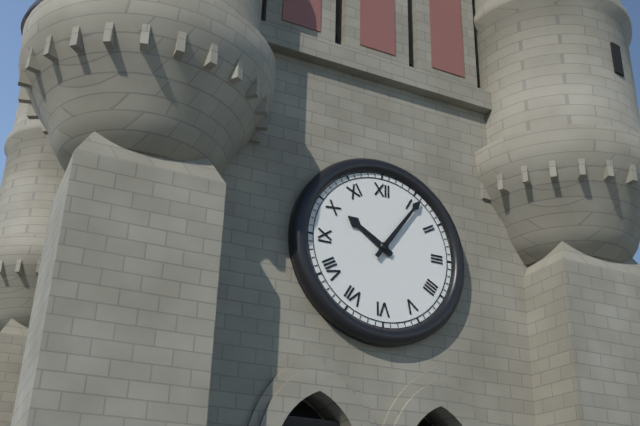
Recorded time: **10:06**
